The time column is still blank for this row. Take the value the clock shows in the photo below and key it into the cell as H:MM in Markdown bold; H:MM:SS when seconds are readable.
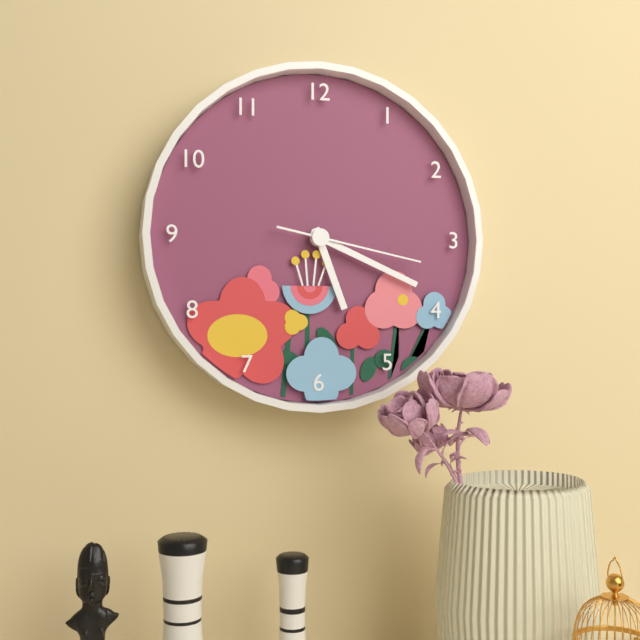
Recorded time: **5:19:17**
